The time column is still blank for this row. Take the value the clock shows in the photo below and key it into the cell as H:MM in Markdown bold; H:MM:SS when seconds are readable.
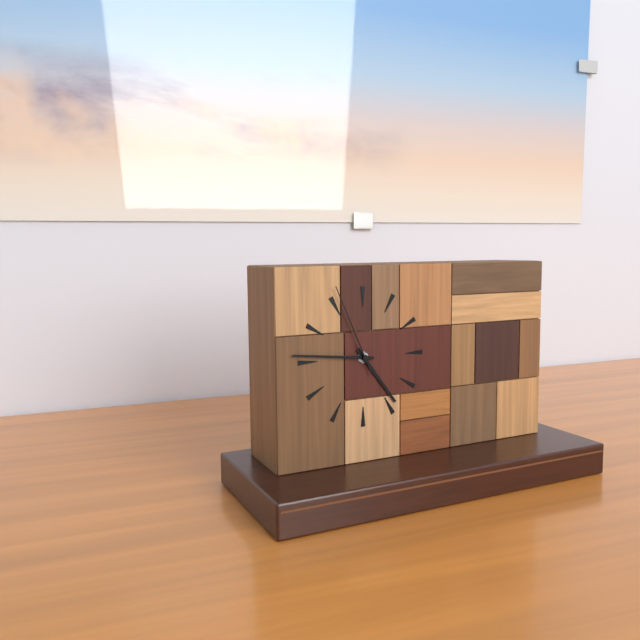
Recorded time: **4:46:56**
